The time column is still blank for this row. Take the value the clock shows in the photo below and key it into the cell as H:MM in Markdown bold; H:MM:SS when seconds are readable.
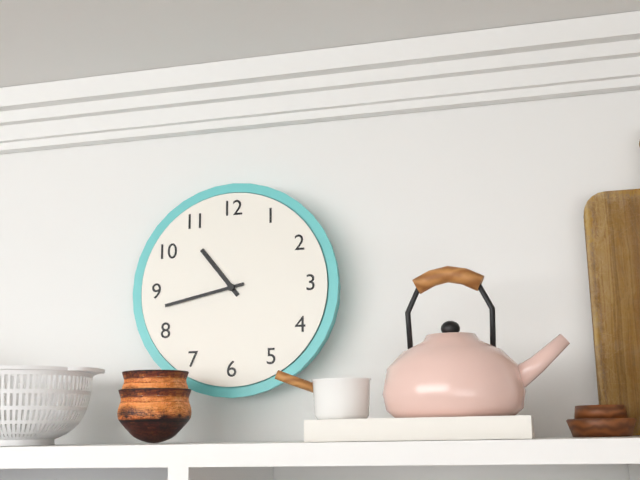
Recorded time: **10:43**
